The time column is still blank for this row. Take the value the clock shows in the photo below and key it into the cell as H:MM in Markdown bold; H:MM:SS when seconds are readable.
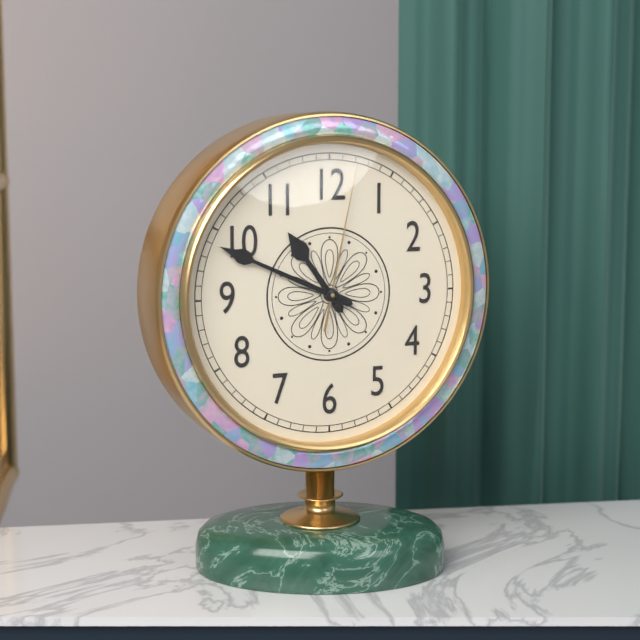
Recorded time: **10:49:02**
